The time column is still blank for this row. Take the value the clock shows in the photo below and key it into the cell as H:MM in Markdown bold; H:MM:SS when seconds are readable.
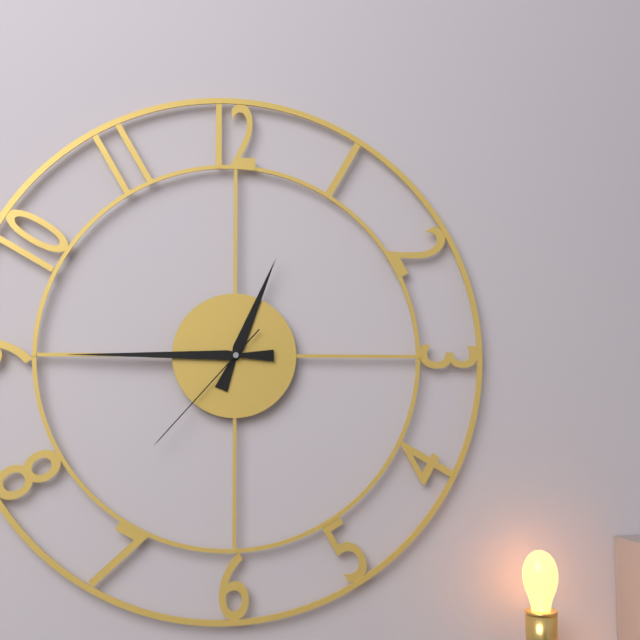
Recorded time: **12:45:37**
